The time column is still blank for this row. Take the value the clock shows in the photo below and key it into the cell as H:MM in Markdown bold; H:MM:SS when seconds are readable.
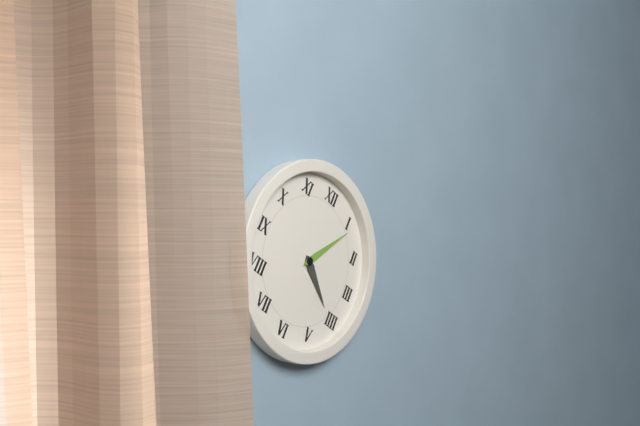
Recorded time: **4:06**
